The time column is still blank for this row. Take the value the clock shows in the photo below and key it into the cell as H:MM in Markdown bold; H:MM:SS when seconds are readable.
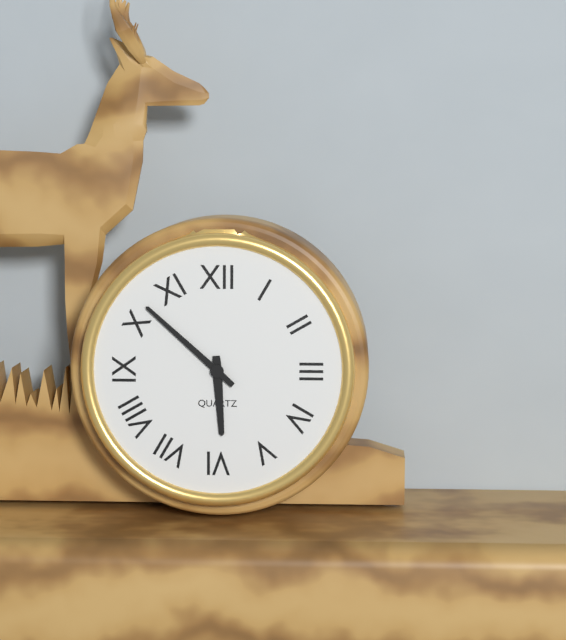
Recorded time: **5:52**
